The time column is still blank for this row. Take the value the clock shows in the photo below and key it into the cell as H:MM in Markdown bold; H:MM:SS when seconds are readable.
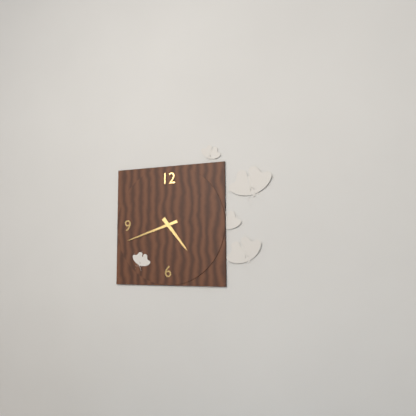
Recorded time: **4:42**
